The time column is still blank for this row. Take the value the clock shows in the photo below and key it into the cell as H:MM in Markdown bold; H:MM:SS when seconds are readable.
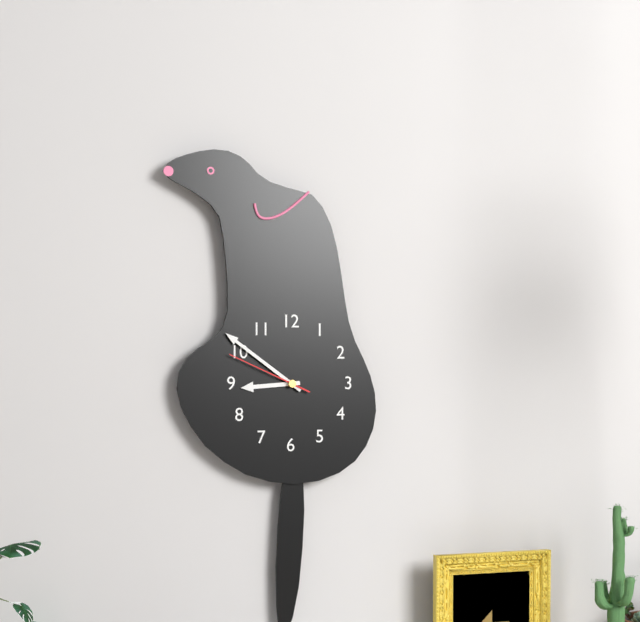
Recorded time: **8:51:49**
